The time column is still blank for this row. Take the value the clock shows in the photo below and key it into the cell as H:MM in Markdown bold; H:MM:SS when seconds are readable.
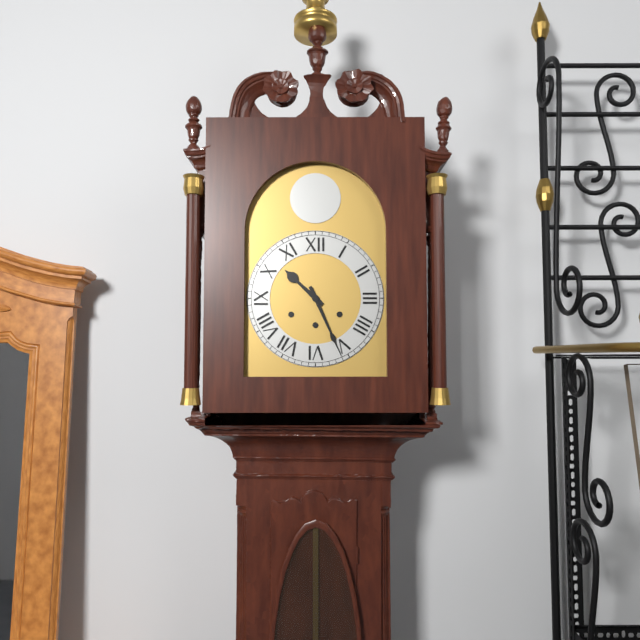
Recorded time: **10:26**
